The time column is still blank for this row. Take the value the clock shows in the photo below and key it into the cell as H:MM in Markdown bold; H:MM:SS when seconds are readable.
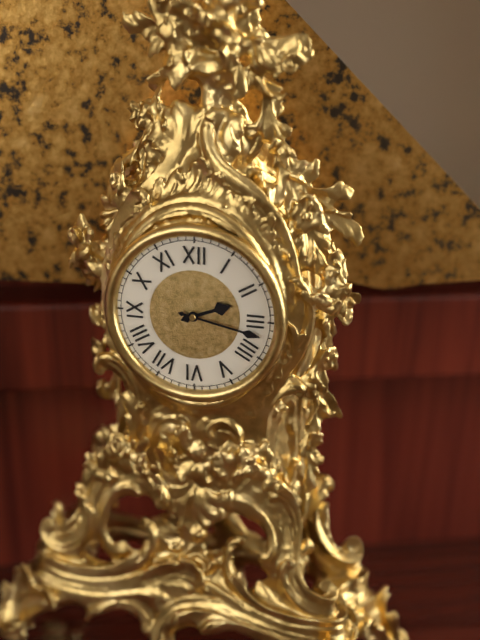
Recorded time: **2:17**
